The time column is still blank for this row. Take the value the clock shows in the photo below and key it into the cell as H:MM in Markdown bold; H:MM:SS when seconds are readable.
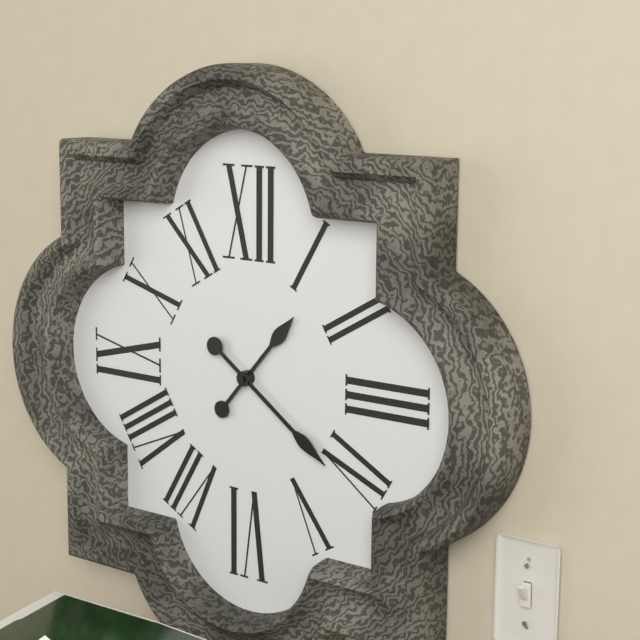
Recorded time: **1:21**
